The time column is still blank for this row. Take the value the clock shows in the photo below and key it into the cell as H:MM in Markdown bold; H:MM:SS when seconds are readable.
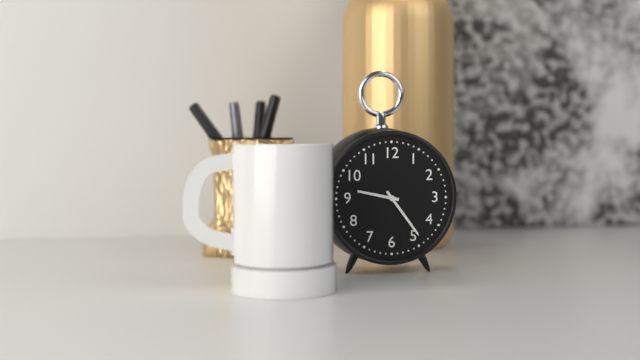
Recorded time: **9:24**
